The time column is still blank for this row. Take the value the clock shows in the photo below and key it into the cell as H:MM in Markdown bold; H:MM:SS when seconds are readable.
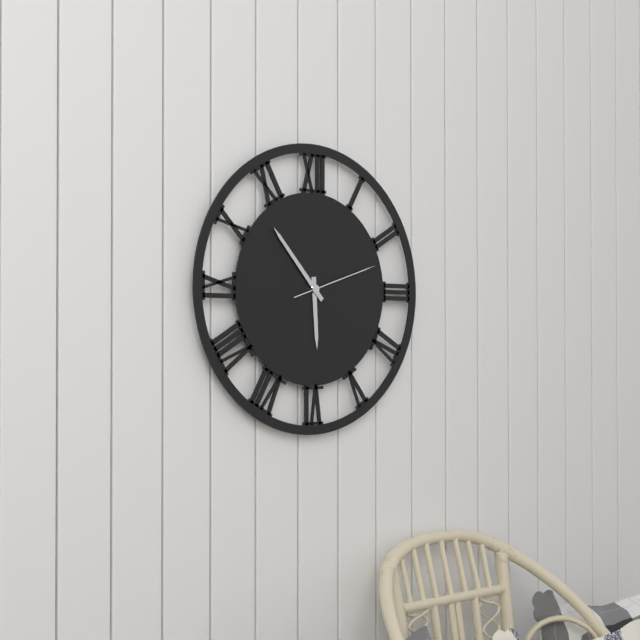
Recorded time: **5:53:12**
